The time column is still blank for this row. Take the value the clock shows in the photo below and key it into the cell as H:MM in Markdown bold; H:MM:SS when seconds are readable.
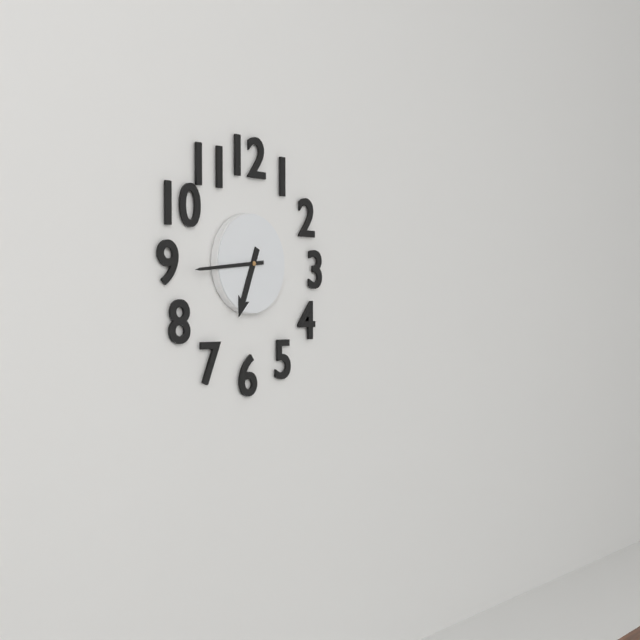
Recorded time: **6:44**
